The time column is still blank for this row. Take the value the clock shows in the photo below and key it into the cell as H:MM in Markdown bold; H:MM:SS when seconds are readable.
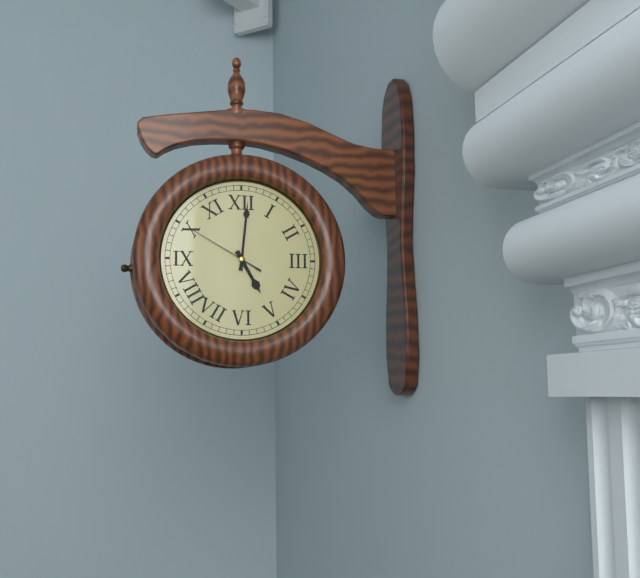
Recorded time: **5:01:50**
